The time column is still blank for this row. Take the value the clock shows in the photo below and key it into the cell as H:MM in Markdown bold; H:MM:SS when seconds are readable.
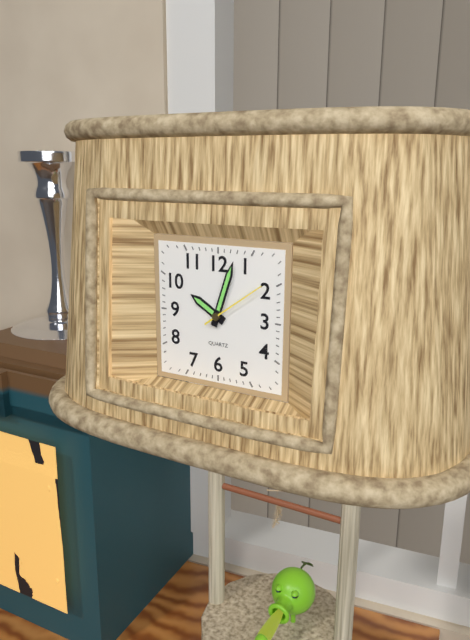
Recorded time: **10:03:09**
